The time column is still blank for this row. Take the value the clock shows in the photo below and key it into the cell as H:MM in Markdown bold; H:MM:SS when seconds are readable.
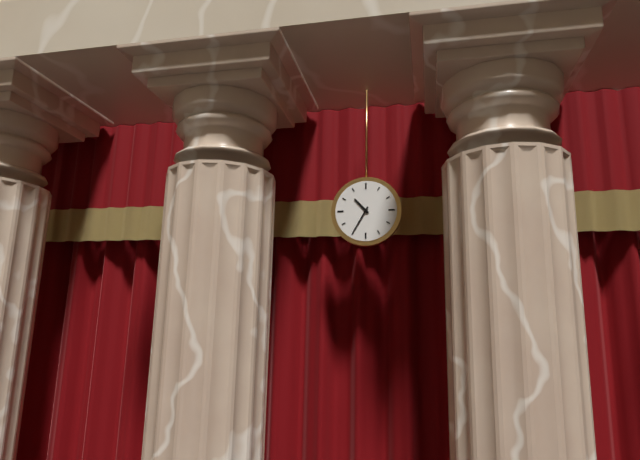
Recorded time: **10:35**
